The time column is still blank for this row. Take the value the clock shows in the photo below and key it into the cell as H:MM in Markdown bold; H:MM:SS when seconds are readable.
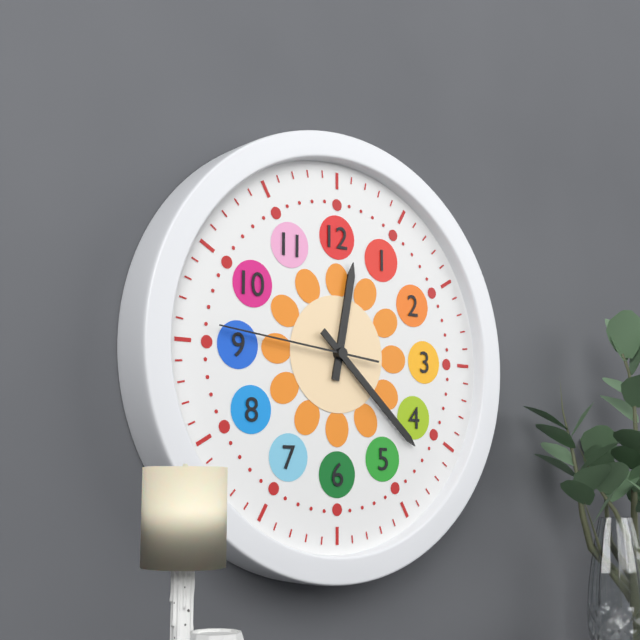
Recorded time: **12:22:46**
